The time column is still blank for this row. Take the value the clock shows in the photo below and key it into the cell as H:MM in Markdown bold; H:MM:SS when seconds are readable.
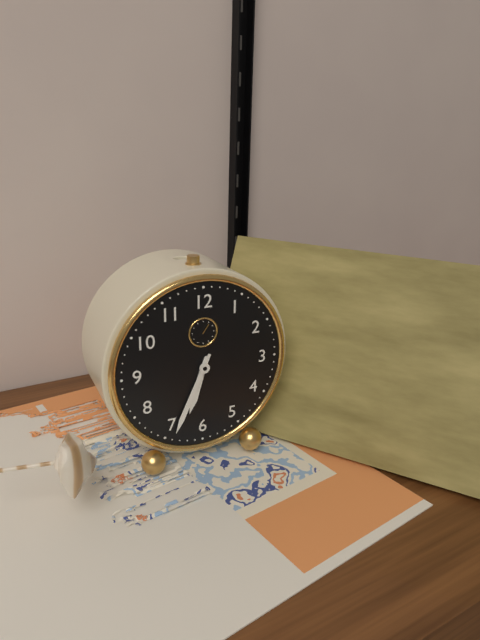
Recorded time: **6:34**
